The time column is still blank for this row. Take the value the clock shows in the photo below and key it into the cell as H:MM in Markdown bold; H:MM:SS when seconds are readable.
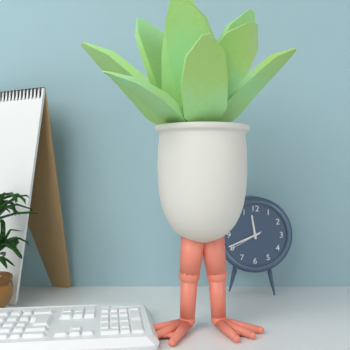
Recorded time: **11:41**
